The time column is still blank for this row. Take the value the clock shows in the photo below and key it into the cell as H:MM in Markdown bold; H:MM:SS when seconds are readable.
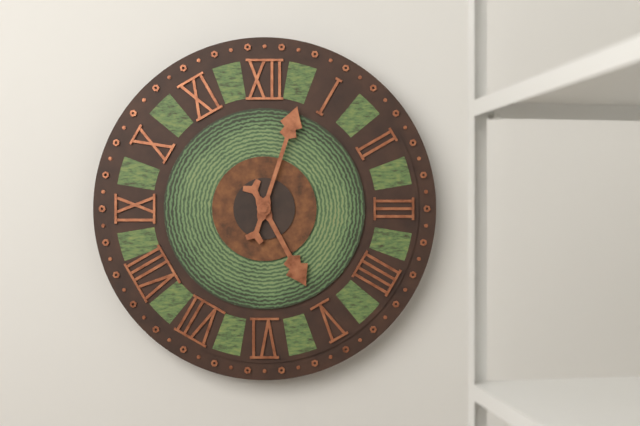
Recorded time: **5:03**
